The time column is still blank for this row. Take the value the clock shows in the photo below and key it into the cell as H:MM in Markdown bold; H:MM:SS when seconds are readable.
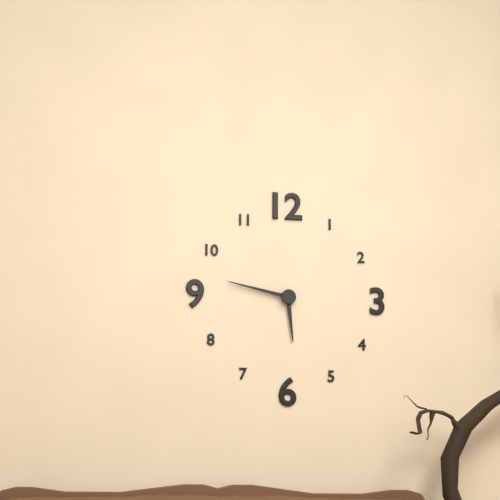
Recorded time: **5:47**
